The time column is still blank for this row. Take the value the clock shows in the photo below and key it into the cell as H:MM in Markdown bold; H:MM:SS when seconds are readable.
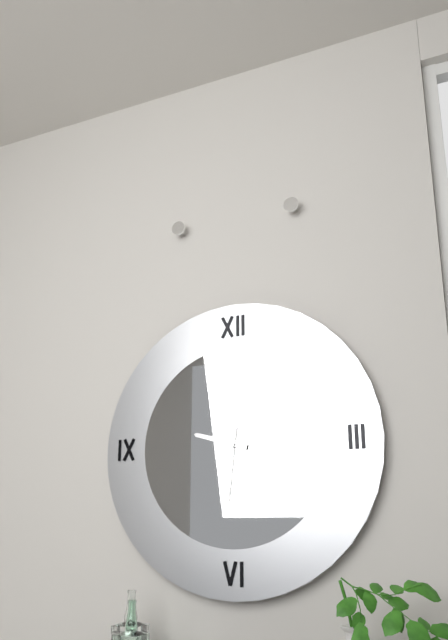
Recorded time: **9:31**
